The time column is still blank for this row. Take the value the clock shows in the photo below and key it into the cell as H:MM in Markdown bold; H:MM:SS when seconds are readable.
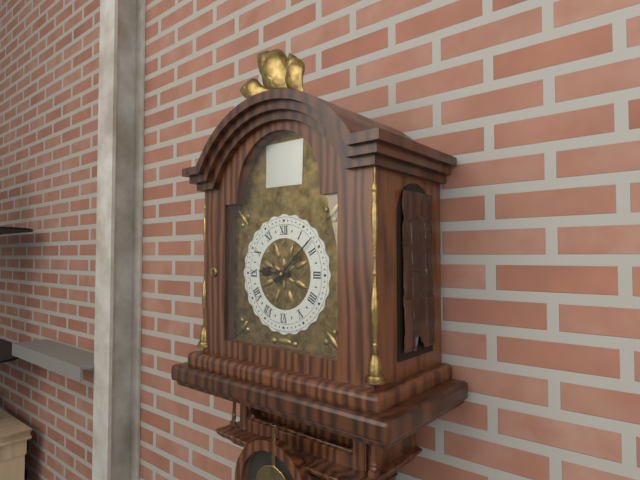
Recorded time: **9:08**
